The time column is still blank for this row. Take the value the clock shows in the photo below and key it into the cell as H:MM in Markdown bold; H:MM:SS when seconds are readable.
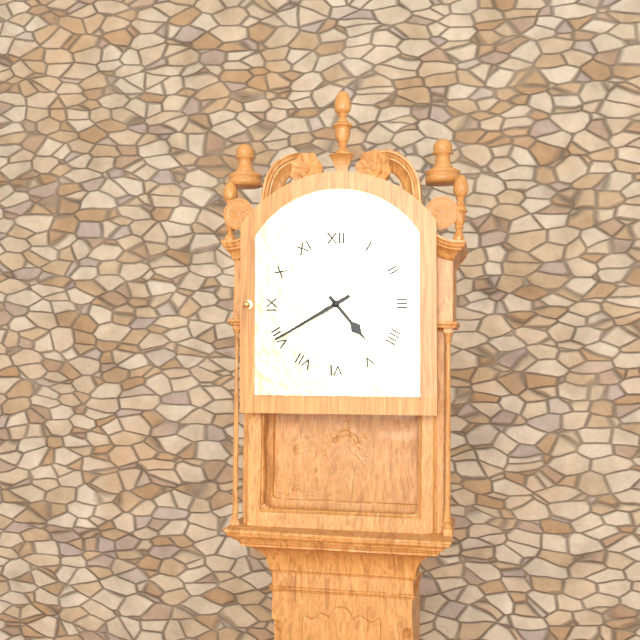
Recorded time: **4:40**
